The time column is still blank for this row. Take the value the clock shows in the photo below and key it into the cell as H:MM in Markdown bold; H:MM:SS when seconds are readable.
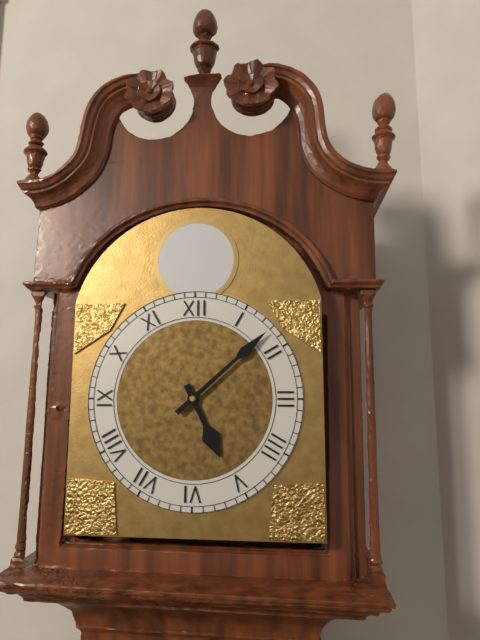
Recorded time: **5:08**
